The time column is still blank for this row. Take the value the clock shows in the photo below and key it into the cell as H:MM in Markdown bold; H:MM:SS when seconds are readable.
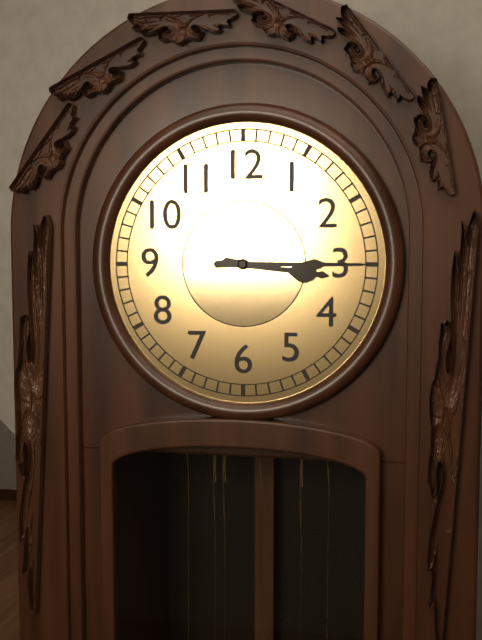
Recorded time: **3:15**
